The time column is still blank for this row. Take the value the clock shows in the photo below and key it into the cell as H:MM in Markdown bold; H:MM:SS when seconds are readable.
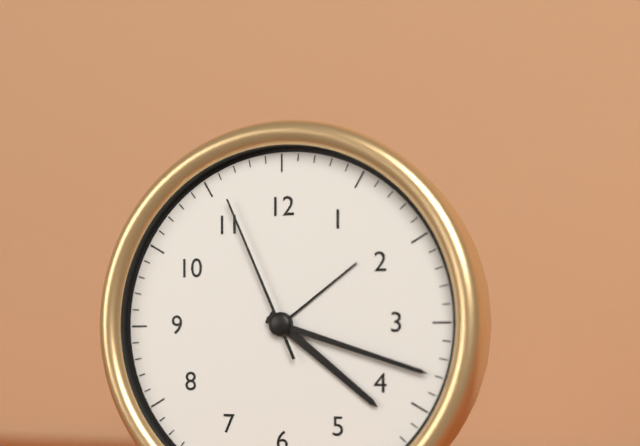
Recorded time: **4:18:56**
